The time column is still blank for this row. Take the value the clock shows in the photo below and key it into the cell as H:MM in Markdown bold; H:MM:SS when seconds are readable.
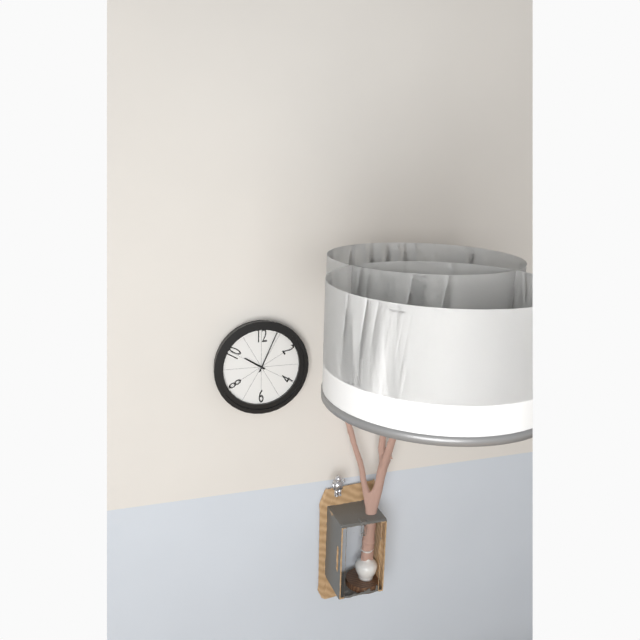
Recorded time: **10:04**
